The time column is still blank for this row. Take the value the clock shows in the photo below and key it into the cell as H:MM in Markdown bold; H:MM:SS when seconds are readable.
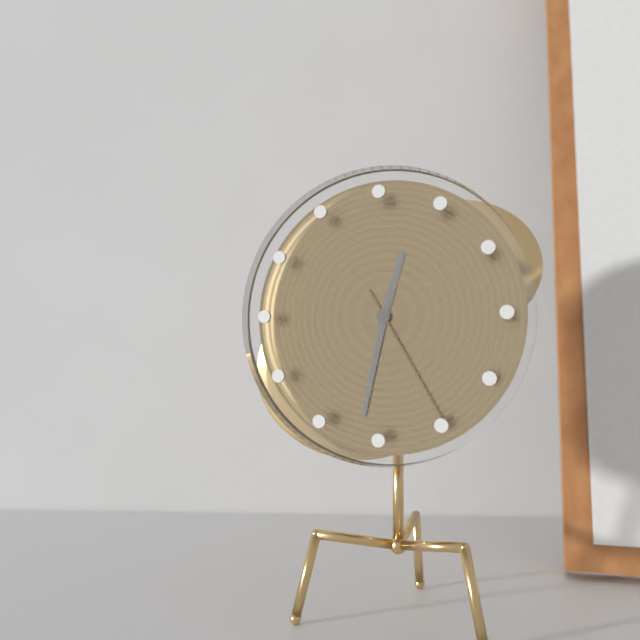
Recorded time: **12:32:25**
